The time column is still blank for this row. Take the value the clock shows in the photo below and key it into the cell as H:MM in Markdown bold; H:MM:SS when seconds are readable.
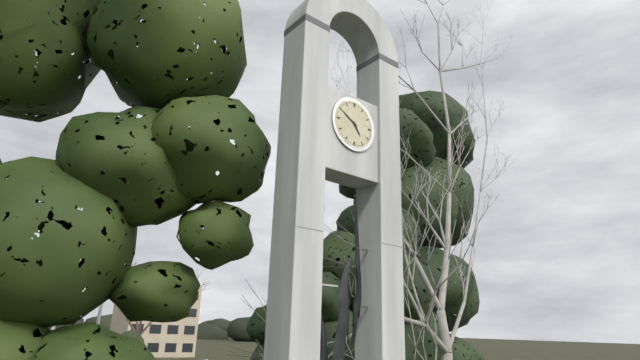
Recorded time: **4:50**
